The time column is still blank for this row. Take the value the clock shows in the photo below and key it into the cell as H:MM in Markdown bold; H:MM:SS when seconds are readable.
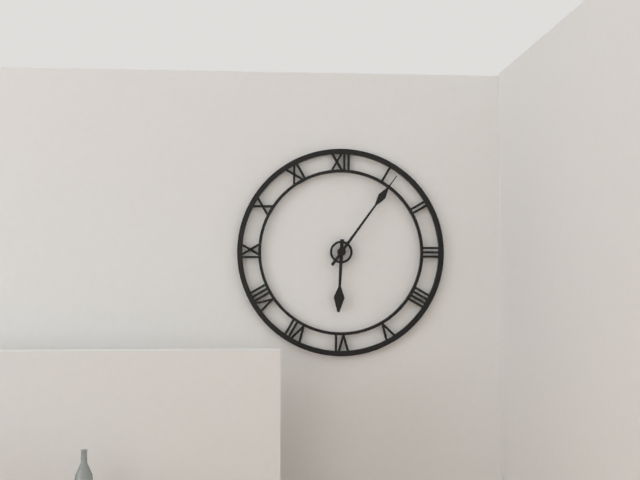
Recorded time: **6:06**
